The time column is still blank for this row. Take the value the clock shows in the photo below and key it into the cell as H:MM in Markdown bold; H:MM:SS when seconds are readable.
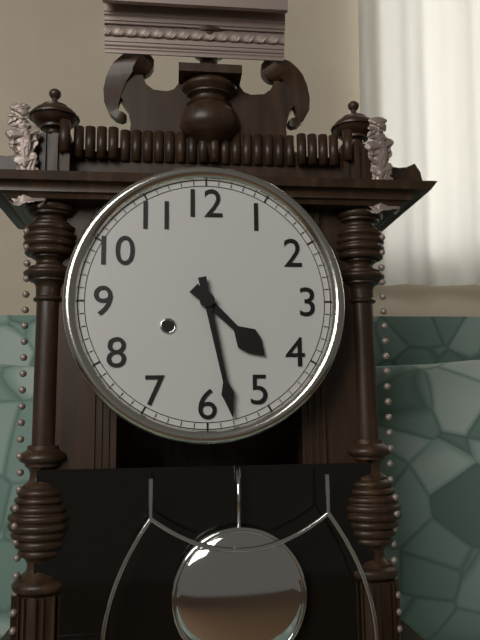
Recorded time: **4:28**
